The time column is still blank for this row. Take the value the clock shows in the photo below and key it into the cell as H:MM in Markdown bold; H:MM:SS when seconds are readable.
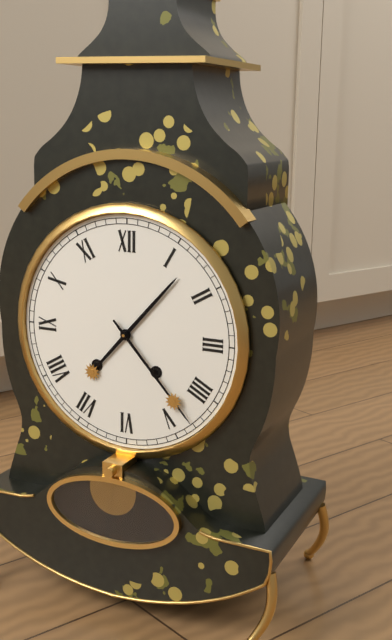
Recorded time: **1:23**
